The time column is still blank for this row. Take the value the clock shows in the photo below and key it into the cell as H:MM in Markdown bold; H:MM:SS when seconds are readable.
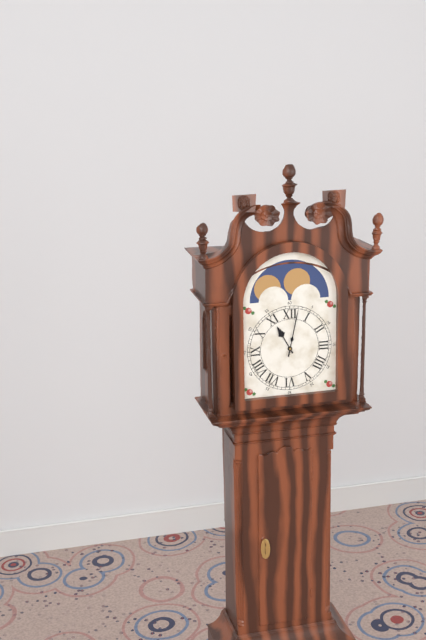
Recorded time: **11:02**
